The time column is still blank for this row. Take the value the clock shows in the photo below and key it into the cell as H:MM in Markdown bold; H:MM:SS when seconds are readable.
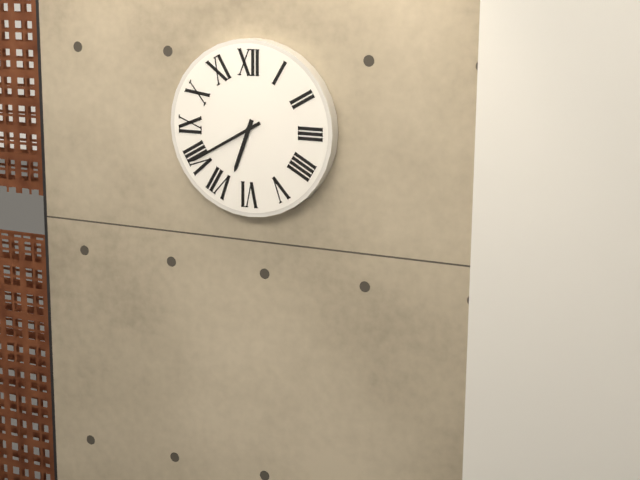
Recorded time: **6:40**
